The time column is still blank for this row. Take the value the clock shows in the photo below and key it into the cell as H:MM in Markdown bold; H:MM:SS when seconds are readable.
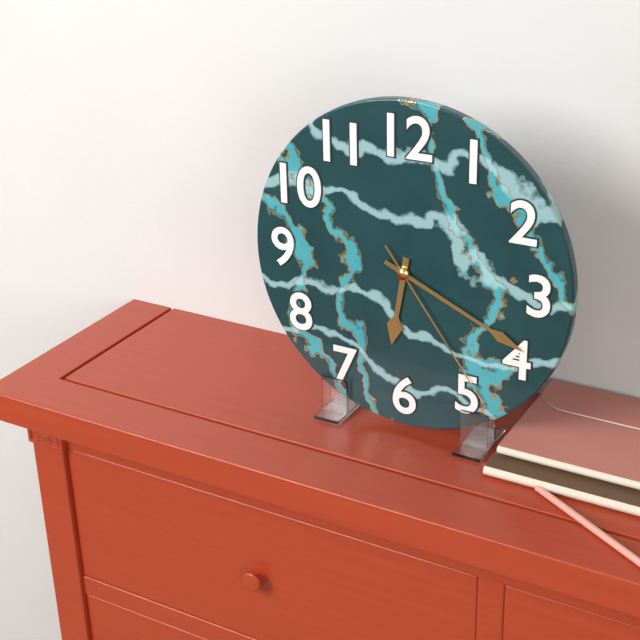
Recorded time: **6:19:24**
